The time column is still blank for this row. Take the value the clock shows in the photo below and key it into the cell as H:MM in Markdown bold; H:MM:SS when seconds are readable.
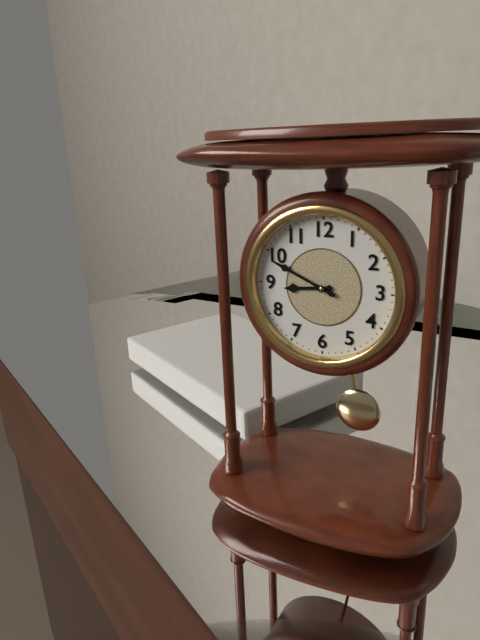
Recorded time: **8:49**
